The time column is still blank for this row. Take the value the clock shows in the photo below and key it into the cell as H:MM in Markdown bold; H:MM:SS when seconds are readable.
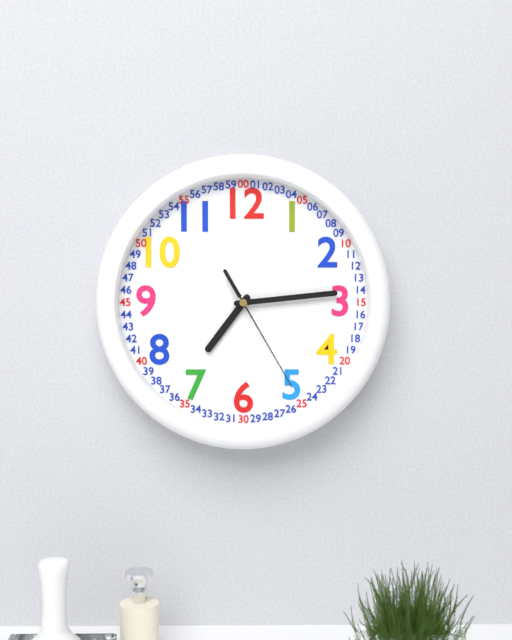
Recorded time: **7:14:25**
